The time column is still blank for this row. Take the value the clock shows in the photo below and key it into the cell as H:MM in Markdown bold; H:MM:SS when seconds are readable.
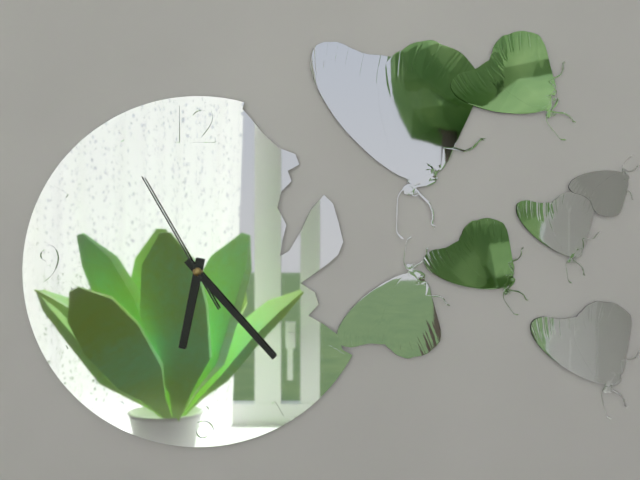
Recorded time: **6:23:55**
